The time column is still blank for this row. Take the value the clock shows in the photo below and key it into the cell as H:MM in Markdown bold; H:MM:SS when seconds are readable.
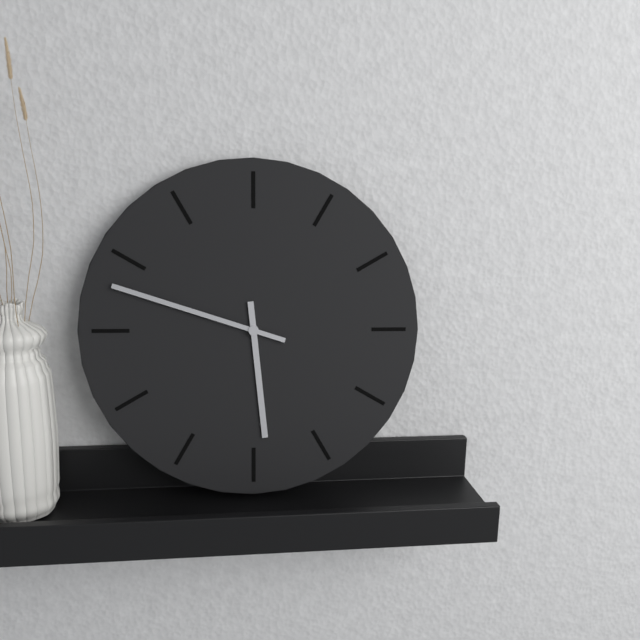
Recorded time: **5:48**
